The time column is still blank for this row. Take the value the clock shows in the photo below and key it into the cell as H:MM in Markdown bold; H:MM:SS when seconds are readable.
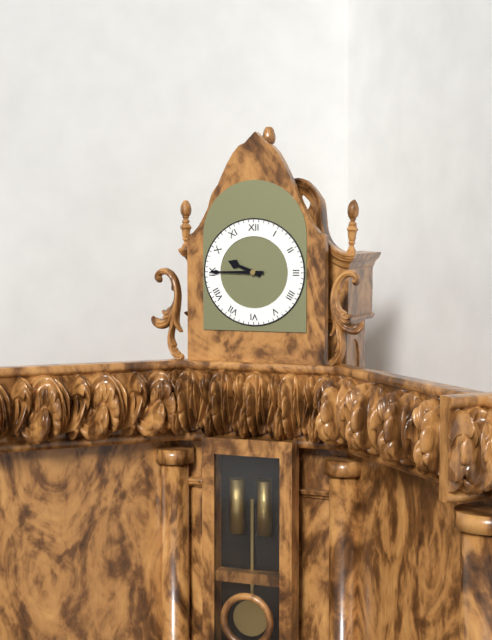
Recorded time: **9:45**
